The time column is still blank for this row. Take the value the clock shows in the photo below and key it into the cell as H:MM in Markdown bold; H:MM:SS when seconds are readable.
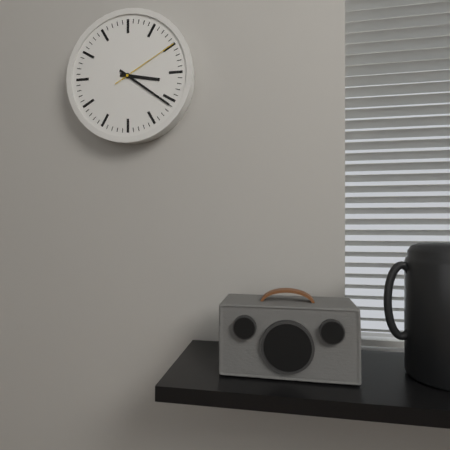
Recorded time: **3:21:10**
